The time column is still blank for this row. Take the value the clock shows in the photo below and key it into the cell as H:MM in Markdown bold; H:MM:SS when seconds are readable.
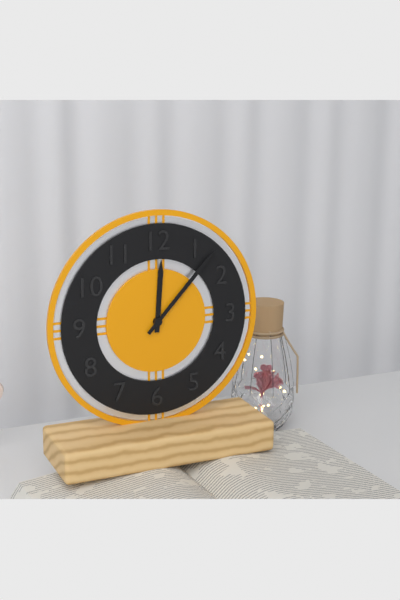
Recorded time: **12:07**
